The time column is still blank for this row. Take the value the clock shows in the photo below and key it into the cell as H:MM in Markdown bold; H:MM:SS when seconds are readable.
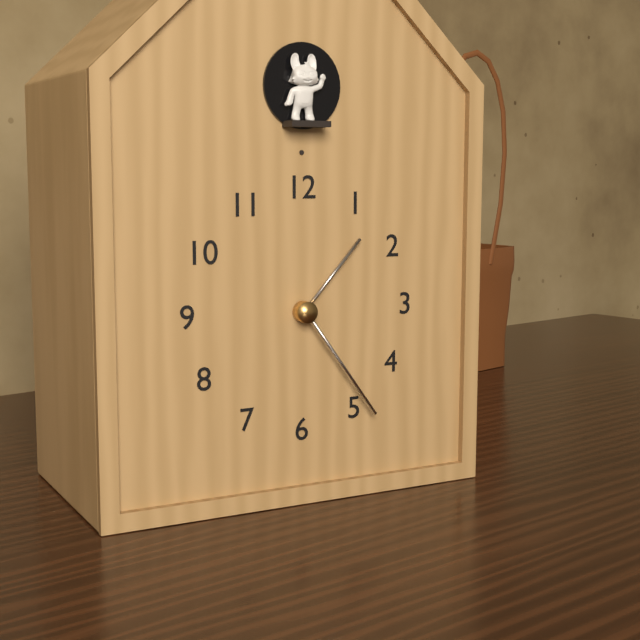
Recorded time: **1:24**
